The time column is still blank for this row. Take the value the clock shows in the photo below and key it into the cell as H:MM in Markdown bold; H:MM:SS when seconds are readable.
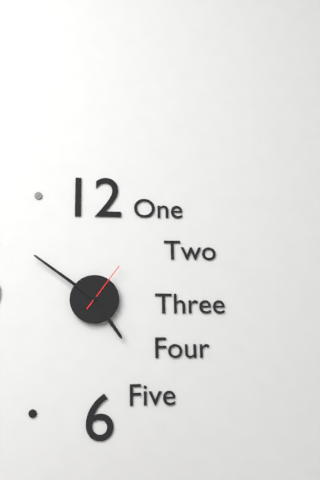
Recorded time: **4:51:06**
